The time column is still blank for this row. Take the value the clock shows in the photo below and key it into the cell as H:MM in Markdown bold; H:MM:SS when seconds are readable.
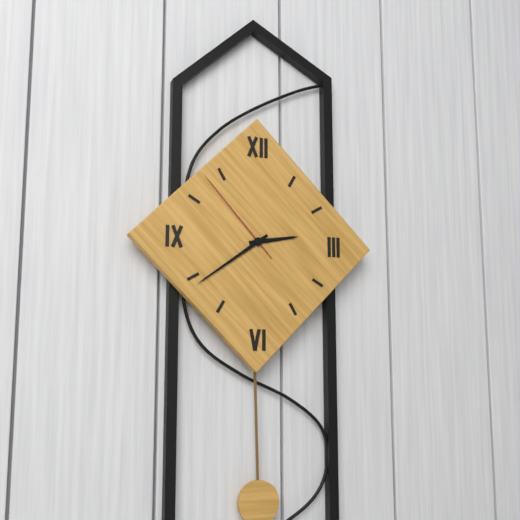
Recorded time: **2:39:53**
